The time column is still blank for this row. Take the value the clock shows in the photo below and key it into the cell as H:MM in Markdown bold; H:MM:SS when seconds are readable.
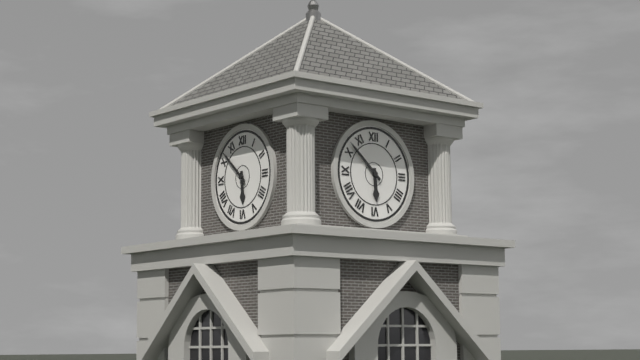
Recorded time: **5:52**
